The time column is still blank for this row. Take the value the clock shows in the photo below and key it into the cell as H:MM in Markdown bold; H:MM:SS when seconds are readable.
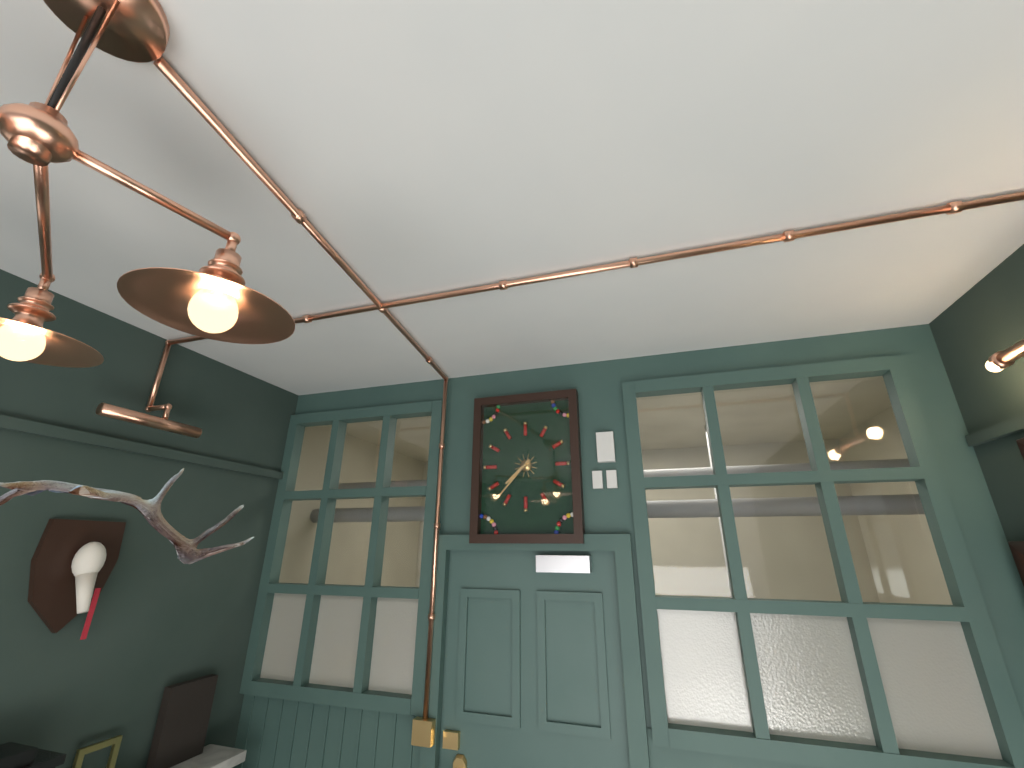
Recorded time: **7:37**
